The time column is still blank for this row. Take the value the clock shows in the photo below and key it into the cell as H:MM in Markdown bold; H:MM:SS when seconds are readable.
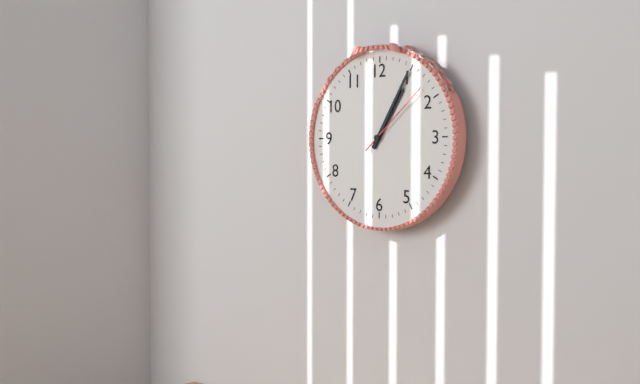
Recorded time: **1:05:08**
